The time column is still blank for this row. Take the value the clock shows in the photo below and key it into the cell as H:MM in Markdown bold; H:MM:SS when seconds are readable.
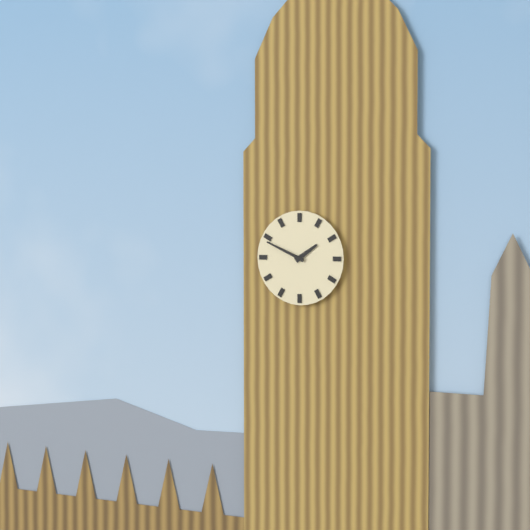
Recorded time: **1:49**
